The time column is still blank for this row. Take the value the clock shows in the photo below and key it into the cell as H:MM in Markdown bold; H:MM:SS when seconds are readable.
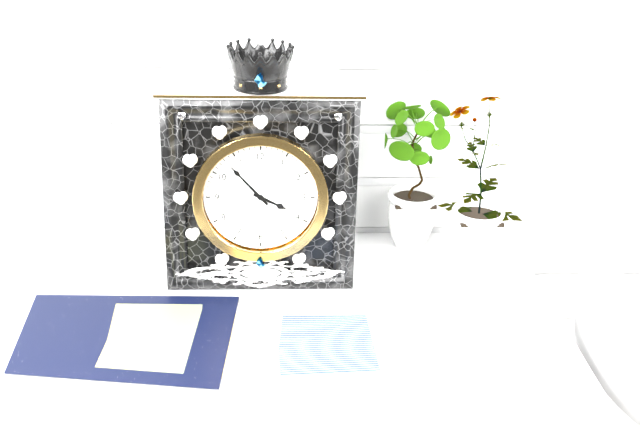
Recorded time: **3:53**
